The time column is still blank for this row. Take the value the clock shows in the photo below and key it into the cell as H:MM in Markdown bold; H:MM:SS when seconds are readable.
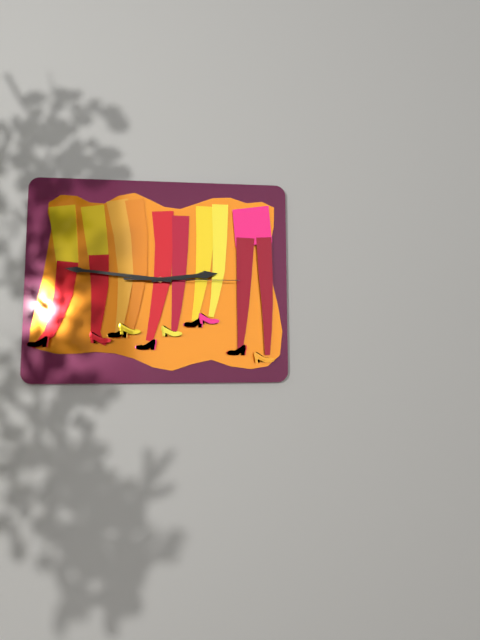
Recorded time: **2:46:15**
